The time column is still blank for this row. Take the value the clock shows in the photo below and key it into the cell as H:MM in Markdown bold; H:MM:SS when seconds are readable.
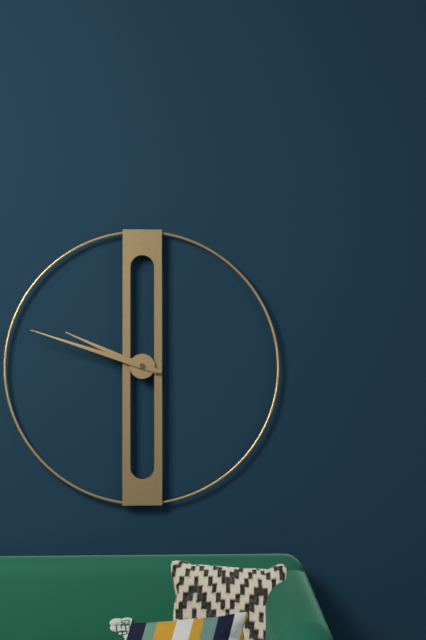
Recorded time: **9:48**
